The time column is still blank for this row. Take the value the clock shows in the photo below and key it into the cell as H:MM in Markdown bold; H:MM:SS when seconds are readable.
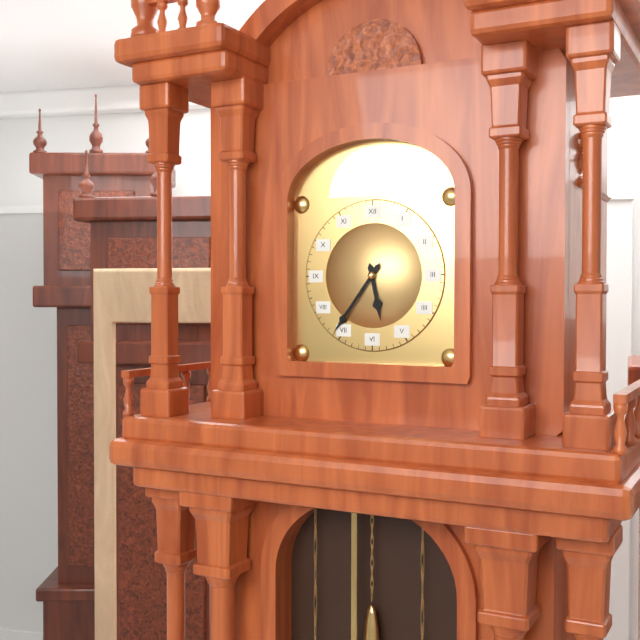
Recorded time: **5:36**
